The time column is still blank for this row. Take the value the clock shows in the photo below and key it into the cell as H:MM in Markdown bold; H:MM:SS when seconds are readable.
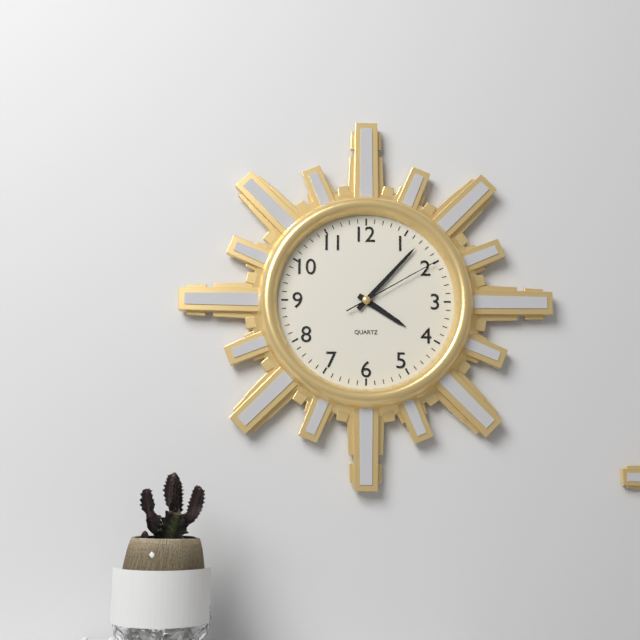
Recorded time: **4:07:10**
